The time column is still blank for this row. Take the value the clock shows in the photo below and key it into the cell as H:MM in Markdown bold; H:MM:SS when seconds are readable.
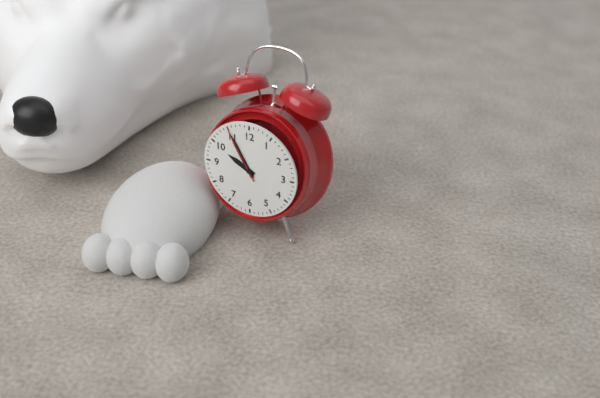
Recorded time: **9:55:55**
